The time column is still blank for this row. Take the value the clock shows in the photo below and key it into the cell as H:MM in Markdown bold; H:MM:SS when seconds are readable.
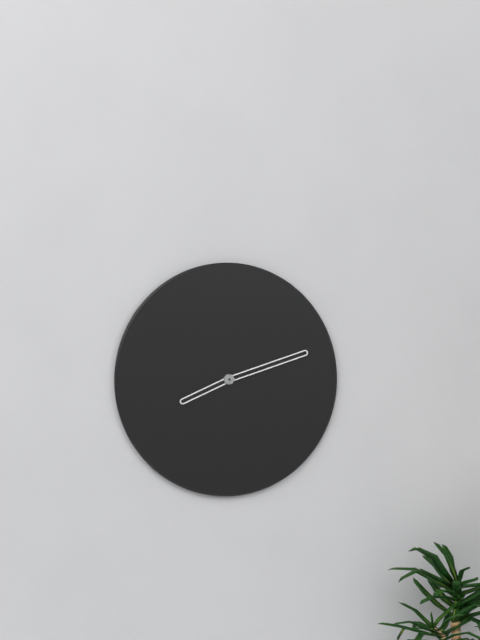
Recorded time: **8:12**
